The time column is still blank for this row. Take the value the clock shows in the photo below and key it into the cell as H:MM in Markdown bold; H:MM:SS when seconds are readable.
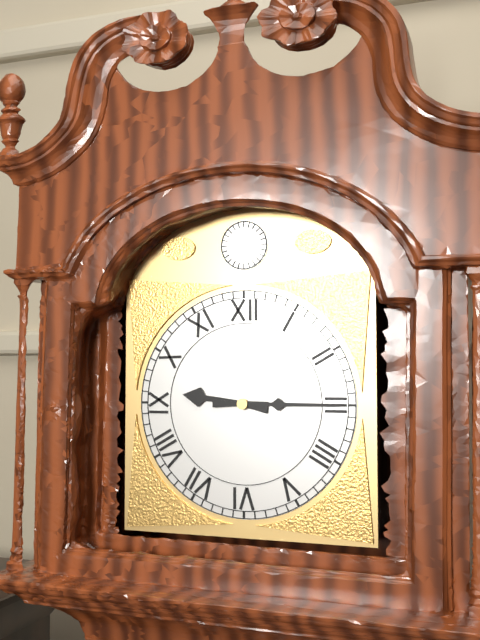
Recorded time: **9:15**
